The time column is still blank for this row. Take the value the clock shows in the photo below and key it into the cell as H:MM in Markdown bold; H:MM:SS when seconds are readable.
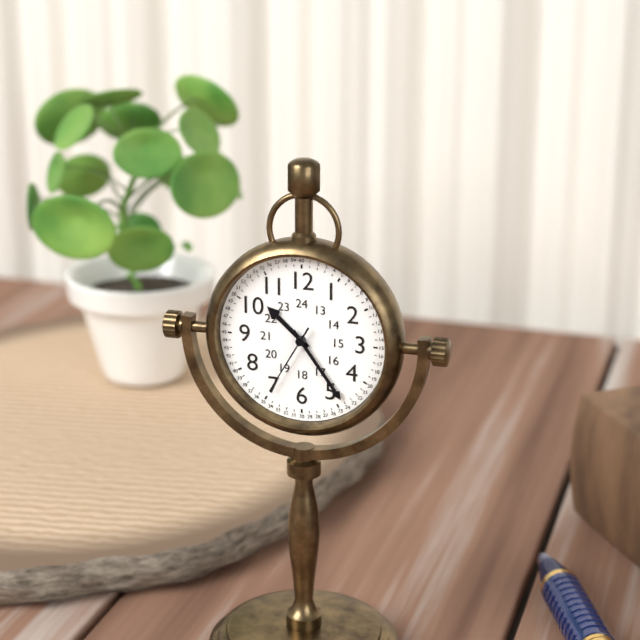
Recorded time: **10:24:35**
